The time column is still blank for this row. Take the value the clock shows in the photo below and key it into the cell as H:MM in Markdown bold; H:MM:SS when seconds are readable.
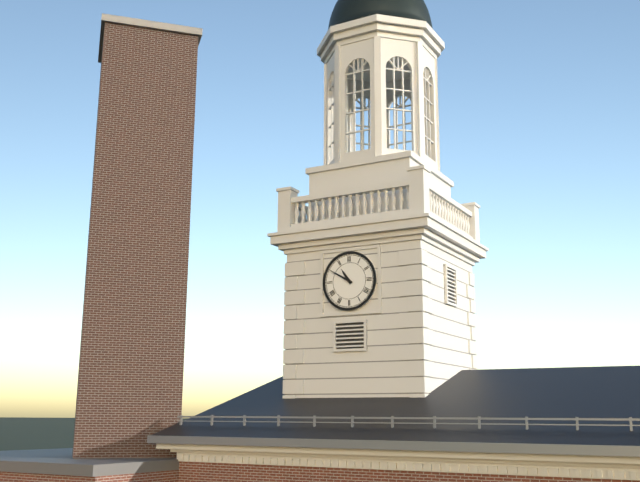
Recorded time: **10:50**
